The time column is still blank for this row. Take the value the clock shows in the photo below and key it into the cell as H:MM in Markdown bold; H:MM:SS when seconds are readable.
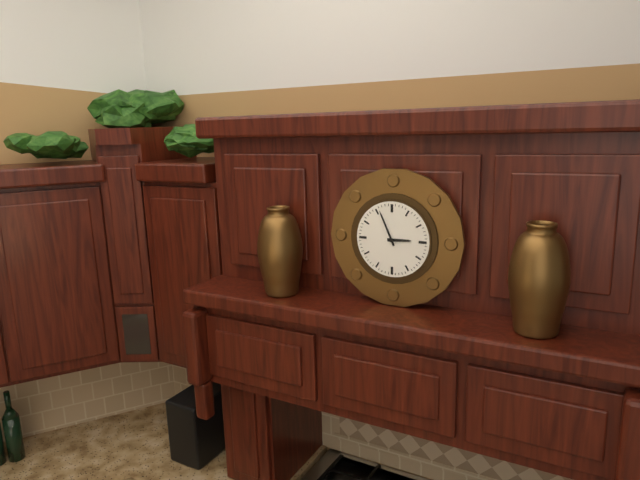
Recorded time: **2:56**
